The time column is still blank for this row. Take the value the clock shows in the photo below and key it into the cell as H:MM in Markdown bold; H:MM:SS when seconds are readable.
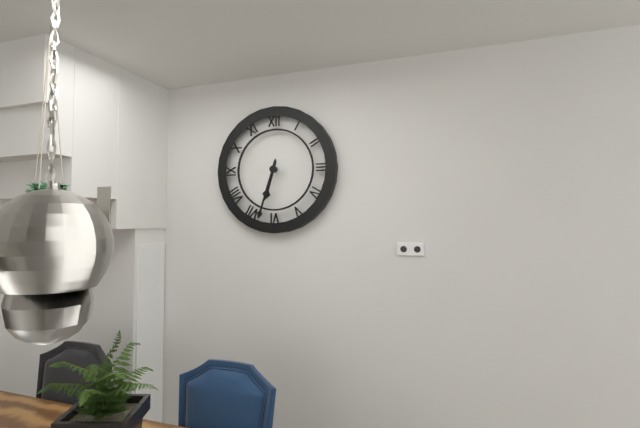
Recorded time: **6:33**
